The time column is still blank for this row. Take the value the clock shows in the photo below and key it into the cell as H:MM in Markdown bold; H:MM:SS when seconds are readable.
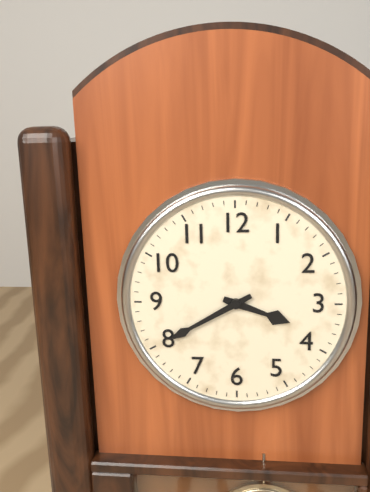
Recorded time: **3:40**
